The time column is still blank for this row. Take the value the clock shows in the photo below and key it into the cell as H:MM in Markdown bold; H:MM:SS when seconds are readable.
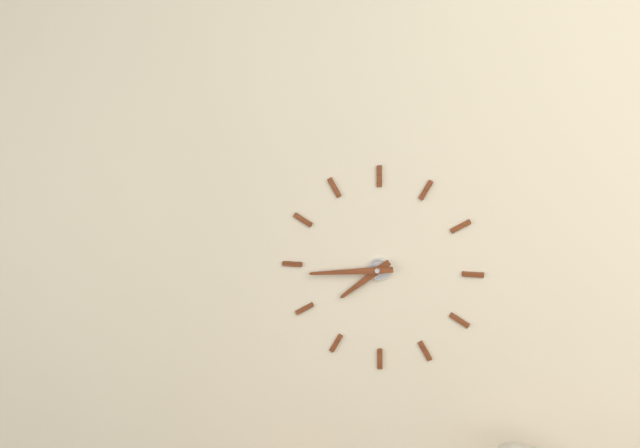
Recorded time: **7:44**
